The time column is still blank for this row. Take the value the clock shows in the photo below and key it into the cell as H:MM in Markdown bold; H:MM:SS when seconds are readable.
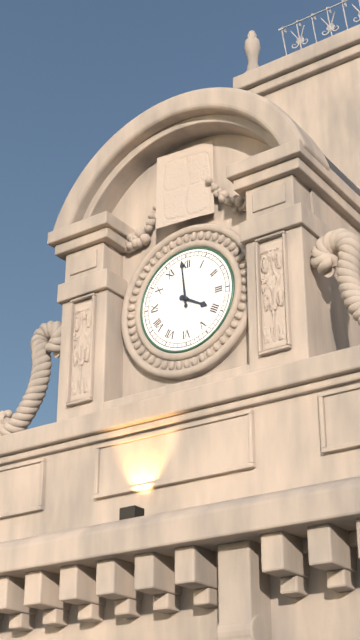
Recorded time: **3:59**
